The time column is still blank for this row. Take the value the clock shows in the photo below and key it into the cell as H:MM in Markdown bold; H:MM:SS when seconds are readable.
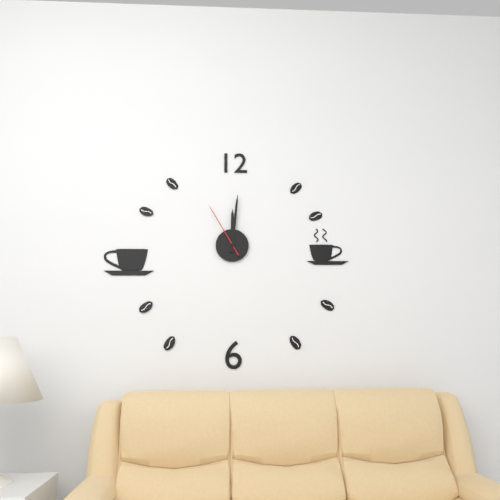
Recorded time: **12:01:55**
